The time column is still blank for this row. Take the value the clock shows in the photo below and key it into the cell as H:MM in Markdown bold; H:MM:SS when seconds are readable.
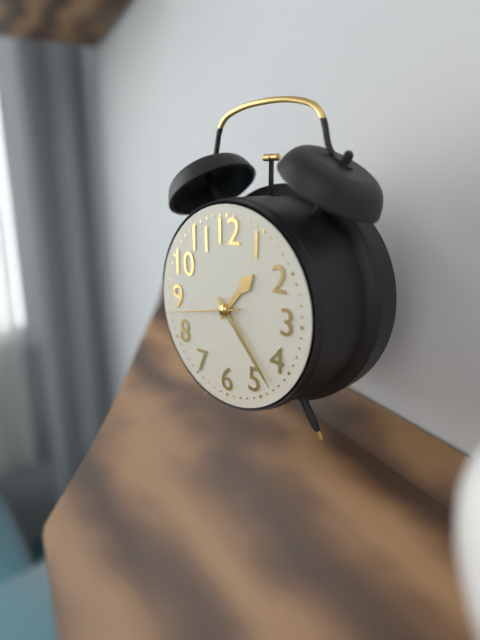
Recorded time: **1:23:43**
